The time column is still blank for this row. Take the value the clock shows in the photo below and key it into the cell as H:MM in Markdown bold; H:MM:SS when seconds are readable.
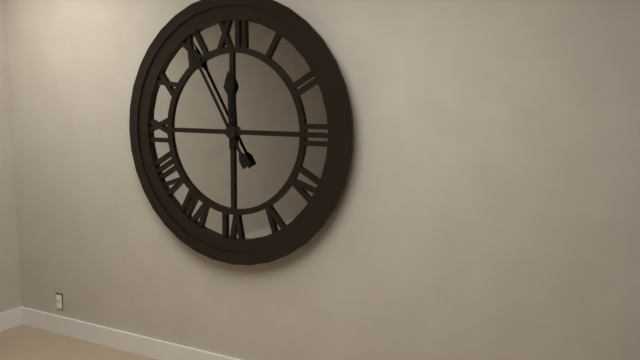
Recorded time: **11:55**
